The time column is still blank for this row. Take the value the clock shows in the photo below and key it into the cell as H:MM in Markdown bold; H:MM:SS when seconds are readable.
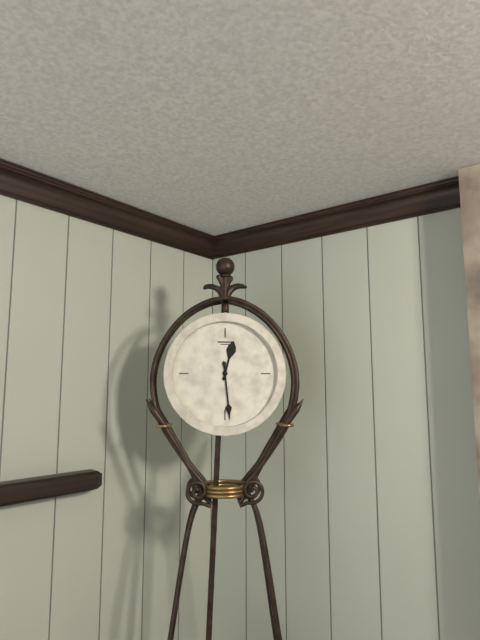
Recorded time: **12:29**
